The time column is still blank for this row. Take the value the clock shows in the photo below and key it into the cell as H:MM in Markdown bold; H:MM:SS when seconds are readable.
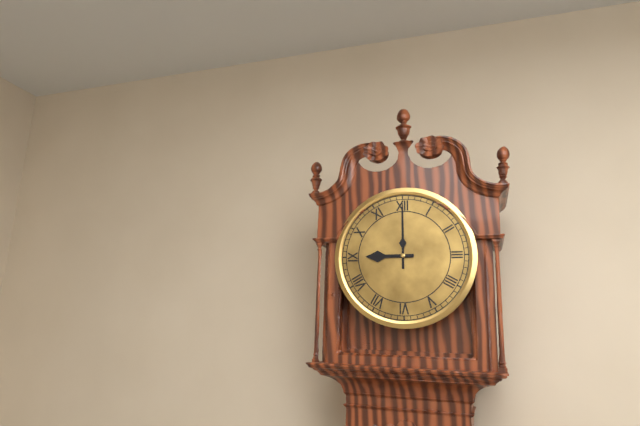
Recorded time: **9:00**
